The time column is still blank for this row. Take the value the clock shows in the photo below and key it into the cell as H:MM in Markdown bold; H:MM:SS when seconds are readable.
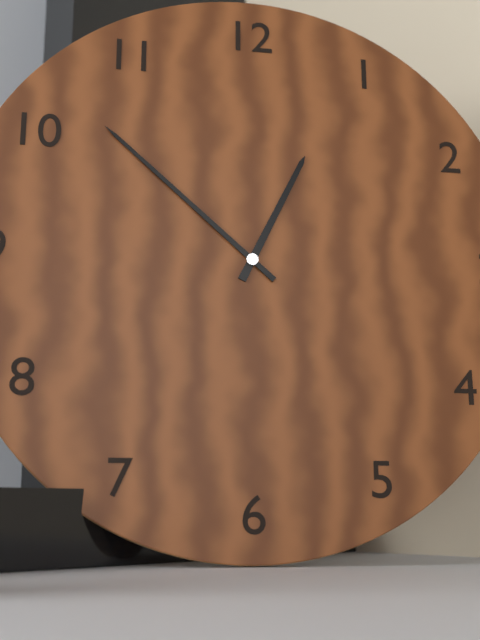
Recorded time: **12:52**
